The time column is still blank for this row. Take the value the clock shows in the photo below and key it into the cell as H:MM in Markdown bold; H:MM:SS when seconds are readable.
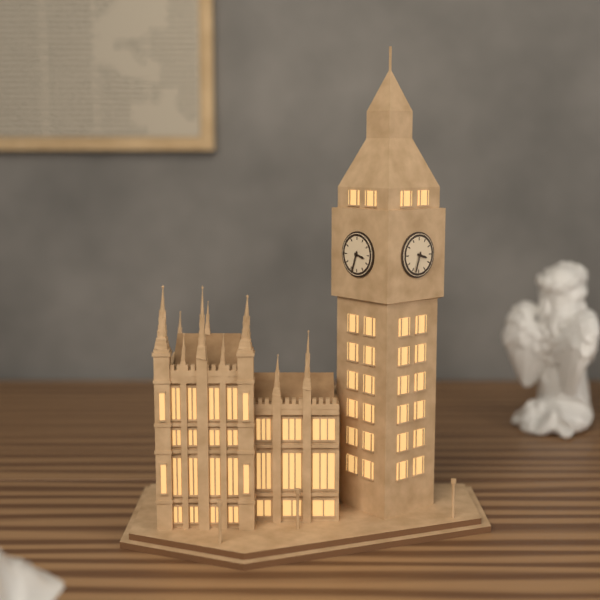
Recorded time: **3:33**
